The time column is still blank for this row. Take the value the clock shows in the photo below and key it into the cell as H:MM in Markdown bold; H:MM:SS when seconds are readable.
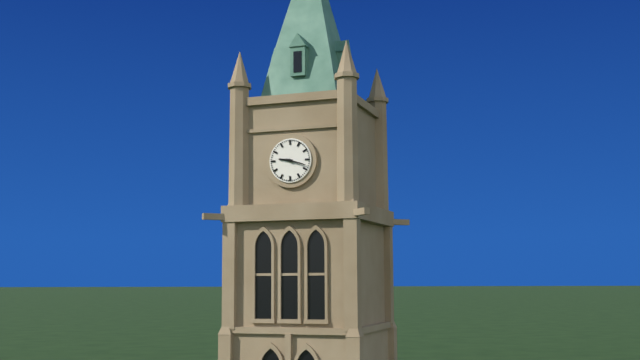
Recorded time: **9:18**
